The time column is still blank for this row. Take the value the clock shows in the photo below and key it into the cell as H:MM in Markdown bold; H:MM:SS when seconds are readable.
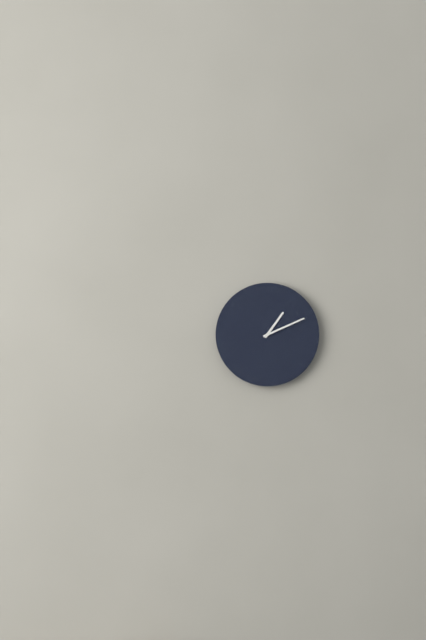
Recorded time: **1:11**
